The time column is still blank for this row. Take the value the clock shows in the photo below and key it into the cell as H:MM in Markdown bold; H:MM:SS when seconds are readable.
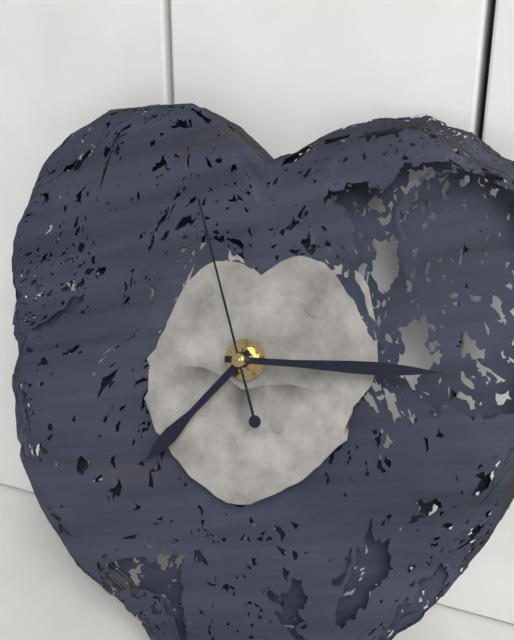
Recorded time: **7:14:56**
